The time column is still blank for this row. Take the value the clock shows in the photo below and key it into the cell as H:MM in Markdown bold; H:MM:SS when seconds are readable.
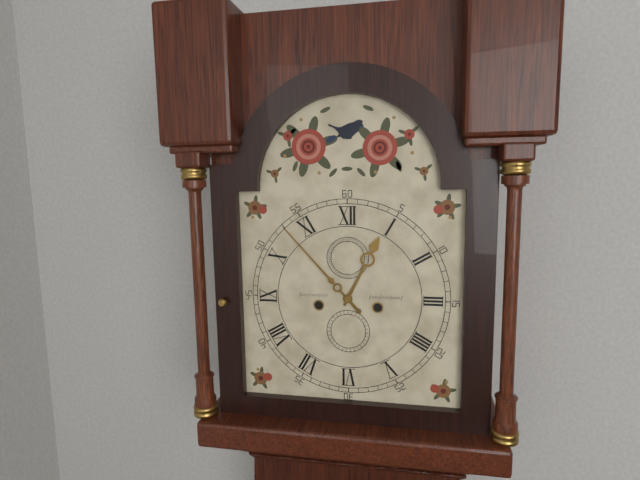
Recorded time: **12:53**
